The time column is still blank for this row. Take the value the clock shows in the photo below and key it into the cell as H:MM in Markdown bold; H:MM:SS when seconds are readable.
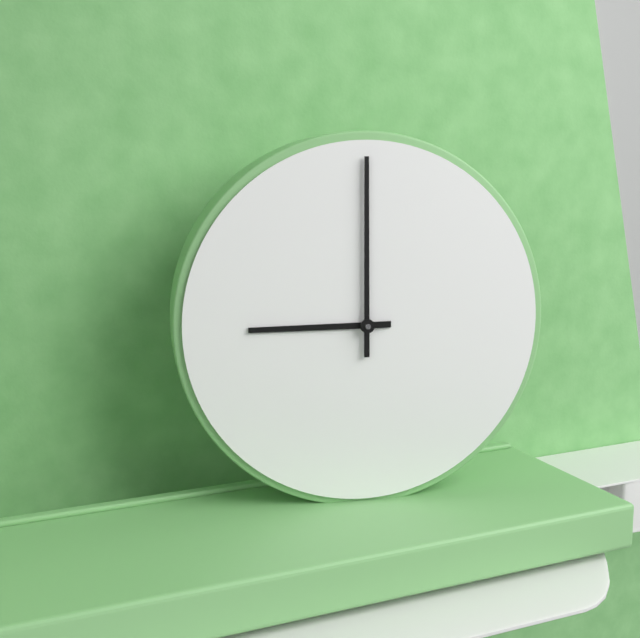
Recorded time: **9:00**
